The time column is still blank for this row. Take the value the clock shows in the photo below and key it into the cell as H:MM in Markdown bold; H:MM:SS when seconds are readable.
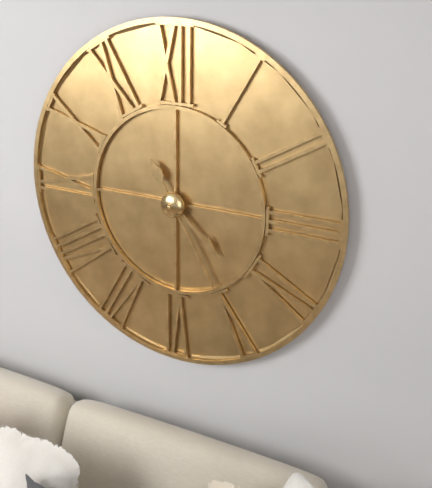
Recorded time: **4:25**
